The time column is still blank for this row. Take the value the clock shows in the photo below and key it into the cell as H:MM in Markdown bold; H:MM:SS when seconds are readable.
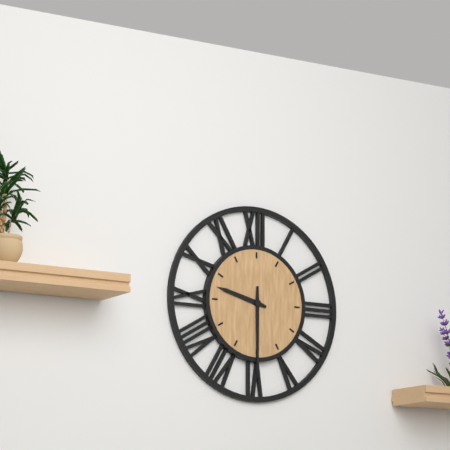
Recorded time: **9:30**
